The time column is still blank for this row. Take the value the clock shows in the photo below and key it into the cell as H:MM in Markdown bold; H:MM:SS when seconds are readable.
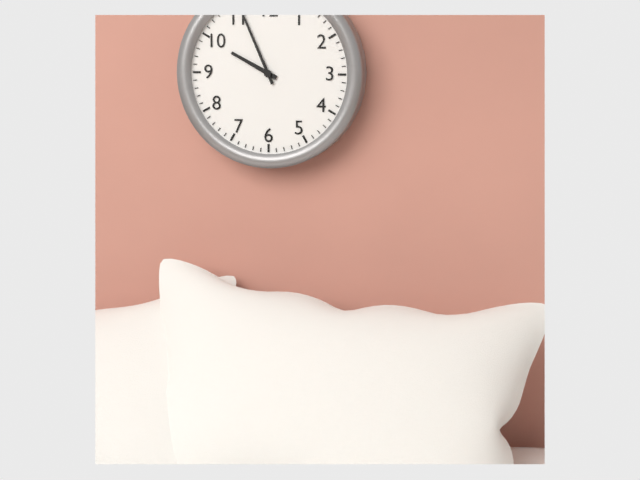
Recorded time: **9:56**
